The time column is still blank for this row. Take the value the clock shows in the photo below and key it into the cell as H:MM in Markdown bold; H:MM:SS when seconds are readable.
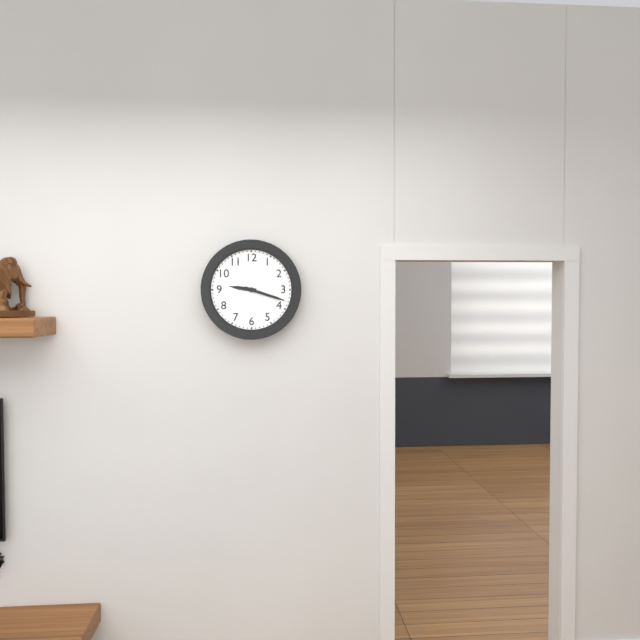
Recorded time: **9:18**
